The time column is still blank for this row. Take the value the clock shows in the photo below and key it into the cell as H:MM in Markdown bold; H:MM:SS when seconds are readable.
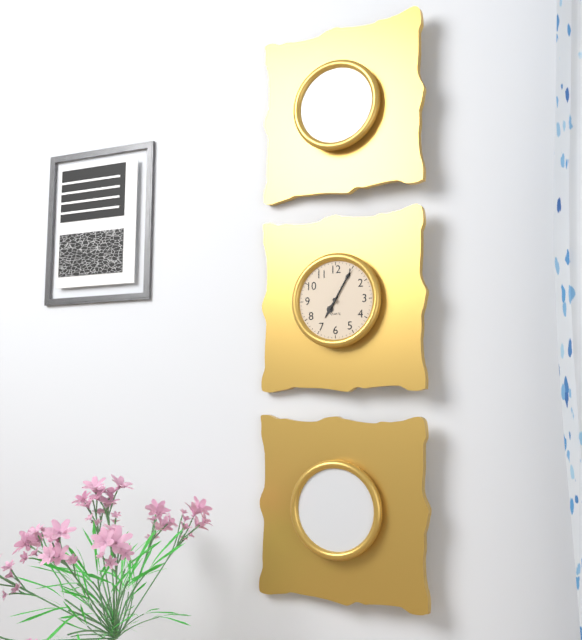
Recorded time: **7:05**
